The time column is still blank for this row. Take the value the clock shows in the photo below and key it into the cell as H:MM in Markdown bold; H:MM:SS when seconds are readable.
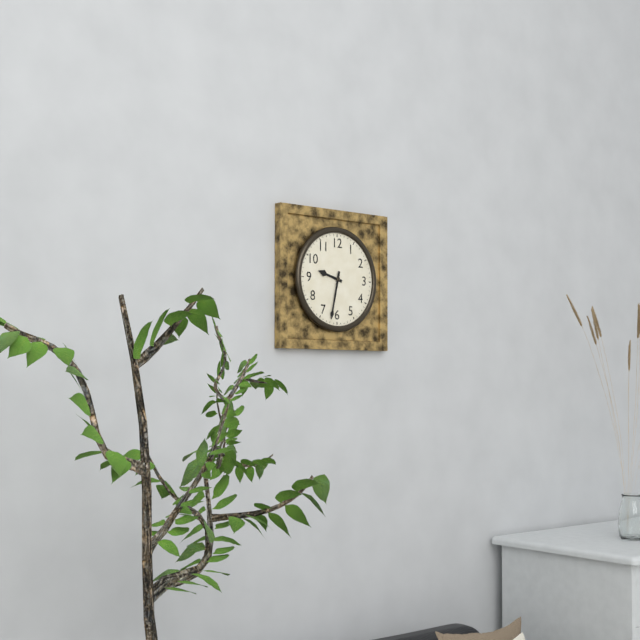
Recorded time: **9:32**
